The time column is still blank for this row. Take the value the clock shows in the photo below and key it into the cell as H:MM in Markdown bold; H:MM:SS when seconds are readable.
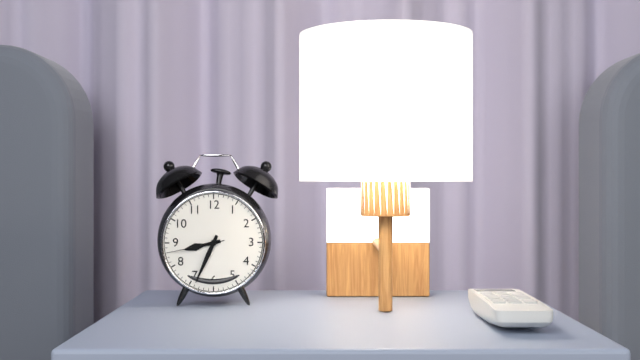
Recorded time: **8:34:43**
